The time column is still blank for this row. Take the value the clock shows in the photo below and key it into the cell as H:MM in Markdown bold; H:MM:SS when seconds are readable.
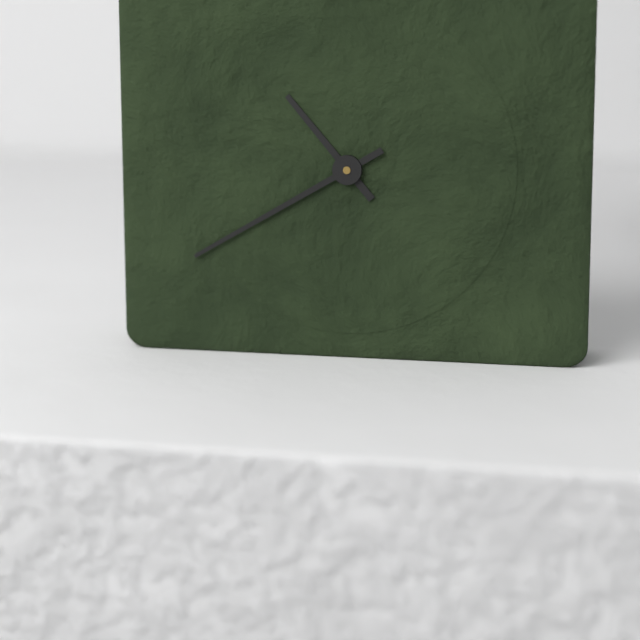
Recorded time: **10:40**
